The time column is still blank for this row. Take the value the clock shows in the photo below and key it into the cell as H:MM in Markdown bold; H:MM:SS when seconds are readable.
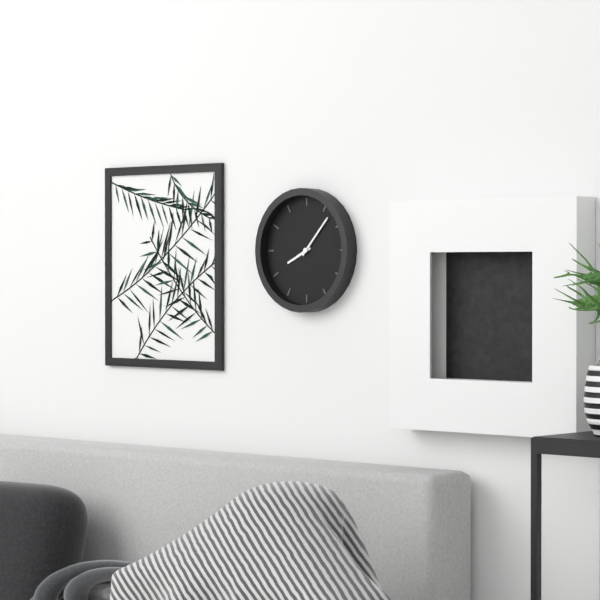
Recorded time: **8:07**
